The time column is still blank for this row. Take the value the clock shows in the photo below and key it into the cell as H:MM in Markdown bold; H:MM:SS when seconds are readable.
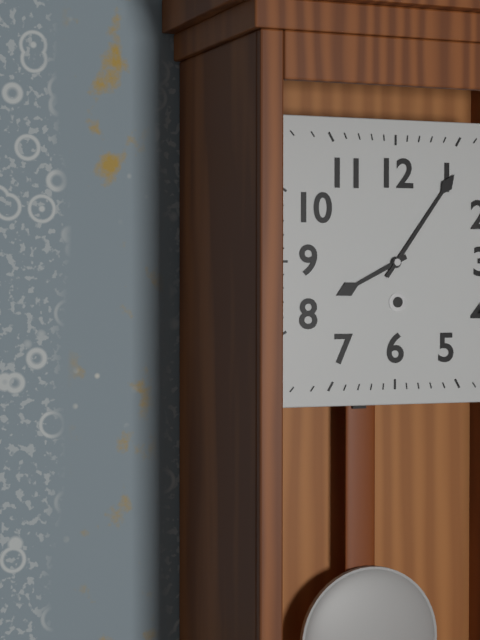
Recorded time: **8:06**
